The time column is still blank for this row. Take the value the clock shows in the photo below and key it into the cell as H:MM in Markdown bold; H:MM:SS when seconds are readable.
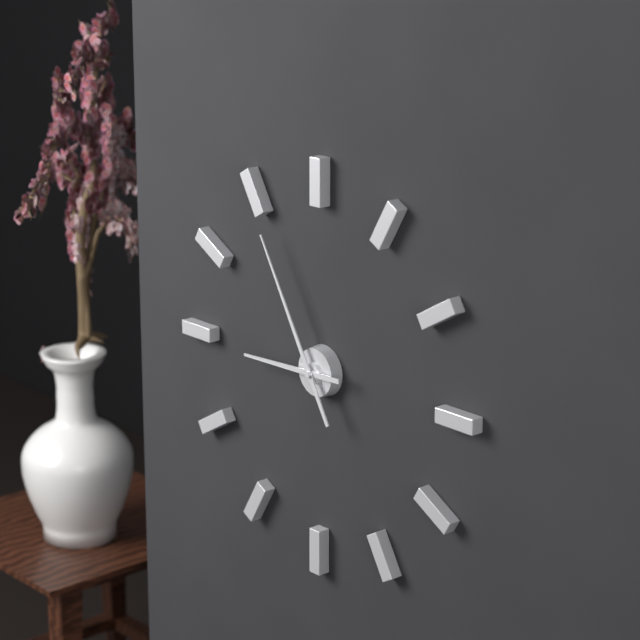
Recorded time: **8:55**
